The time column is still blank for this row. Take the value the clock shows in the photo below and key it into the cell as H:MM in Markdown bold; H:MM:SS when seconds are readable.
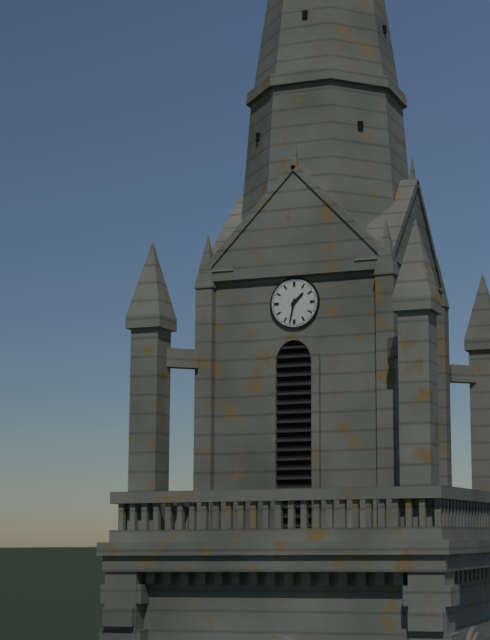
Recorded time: **1:32**
